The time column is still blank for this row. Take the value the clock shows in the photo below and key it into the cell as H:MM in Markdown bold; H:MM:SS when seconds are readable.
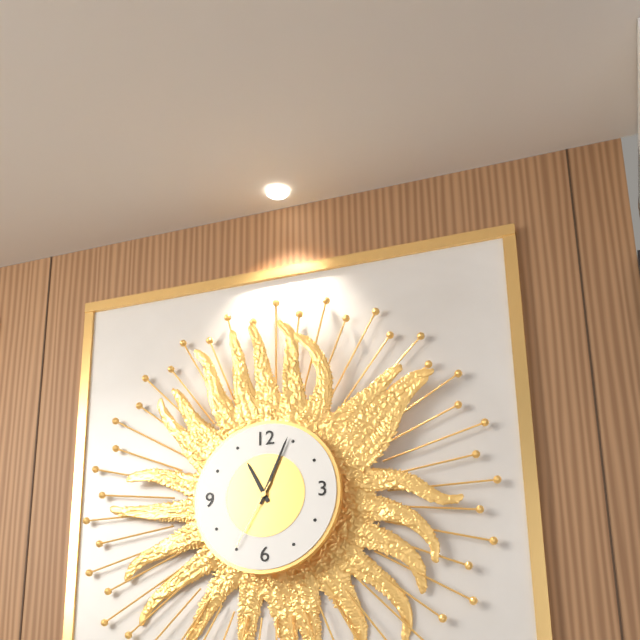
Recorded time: **11:04:35**
